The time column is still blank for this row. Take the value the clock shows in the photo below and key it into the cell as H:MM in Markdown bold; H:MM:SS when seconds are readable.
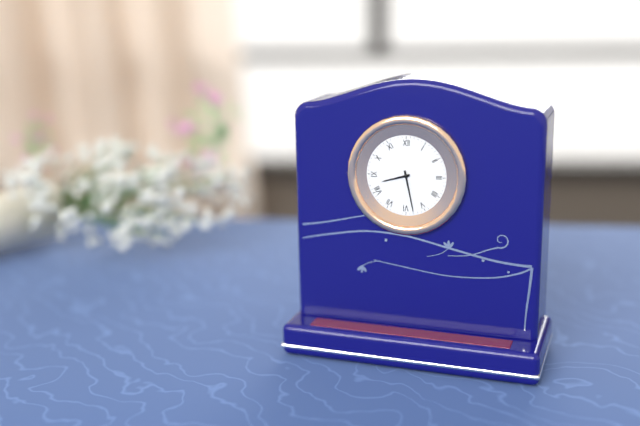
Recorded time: **8:28**
